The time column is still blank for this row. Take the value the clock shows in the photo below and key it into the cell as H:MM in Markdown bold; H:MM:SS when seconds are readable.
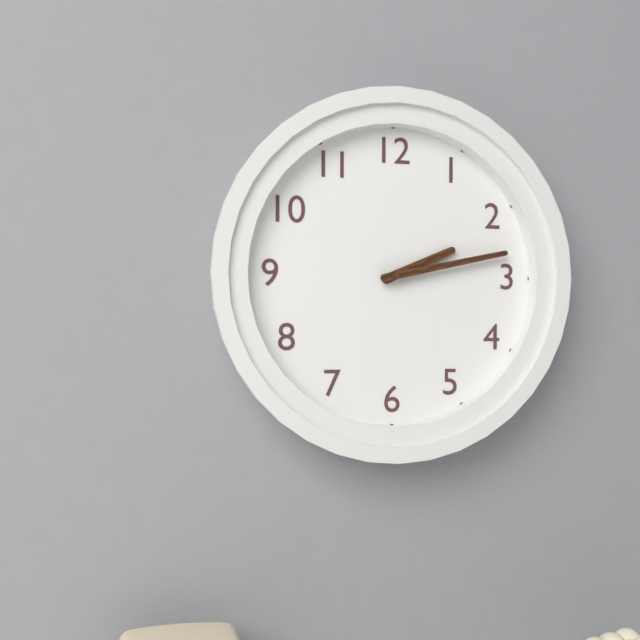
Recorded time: **2:13**
